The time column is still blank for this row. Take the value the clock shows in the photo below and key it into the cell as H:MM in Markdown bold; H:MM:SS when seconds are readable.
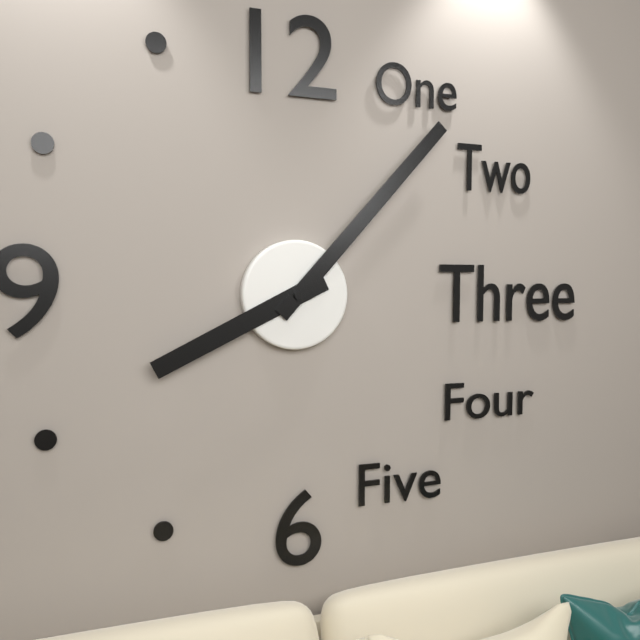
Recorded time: **8:07**
